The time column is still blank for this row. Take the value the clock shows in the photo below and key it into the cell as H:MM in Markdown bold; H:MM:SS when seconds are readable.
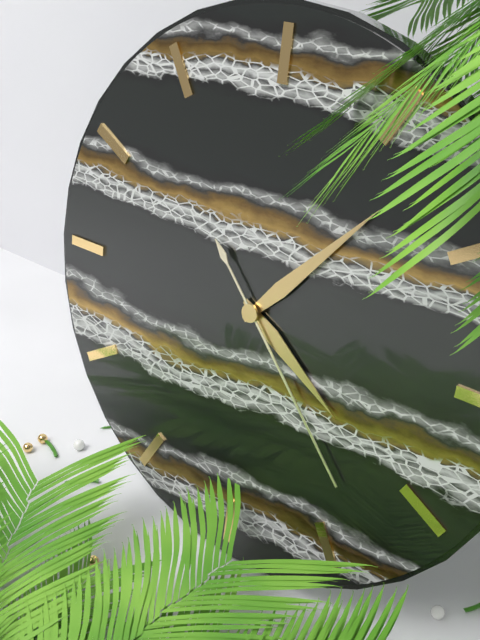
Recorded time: **4:07:23**
